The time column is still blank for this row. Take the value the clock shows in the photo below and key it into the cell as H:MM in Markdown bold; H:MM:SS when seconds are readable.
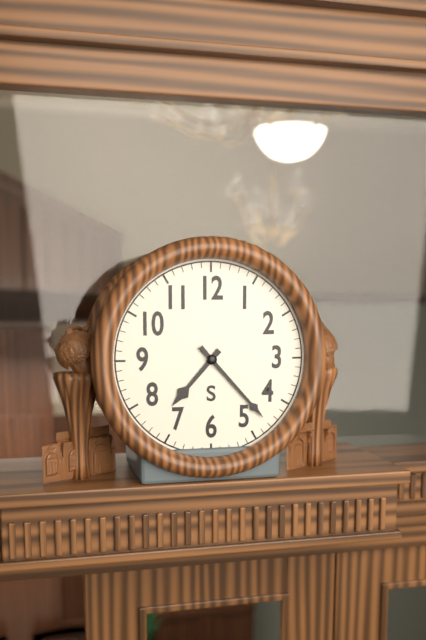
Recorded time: **7:23**
